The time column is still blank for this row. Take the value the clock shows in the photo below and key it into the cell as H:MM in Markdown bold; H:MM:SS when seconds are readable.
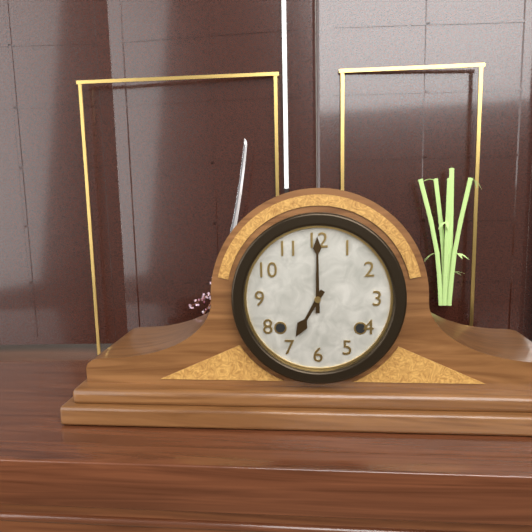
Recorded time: **7:00**
